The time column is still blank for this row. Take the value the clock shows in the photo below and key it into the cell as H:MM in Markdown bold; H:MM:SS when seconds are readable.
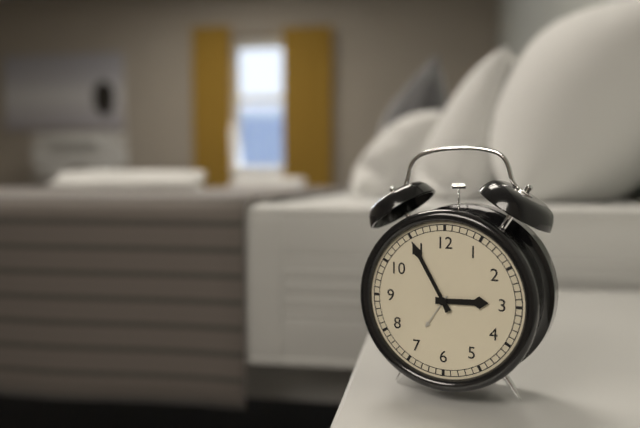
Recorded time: **2:55**
